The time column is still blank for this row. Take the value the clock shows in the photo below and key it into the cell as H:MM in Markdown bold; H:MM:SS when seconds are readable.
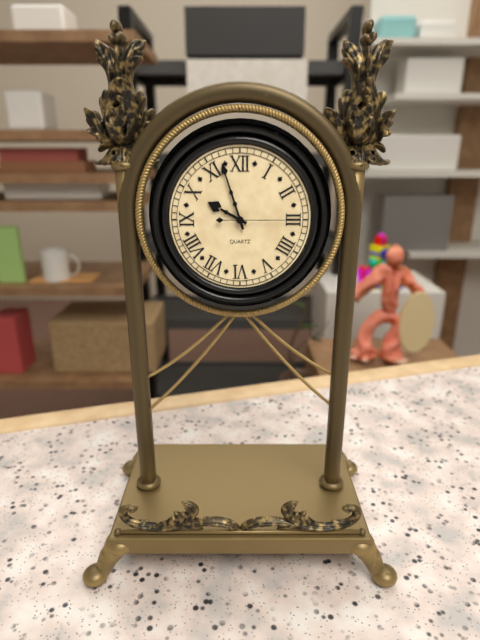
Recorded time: **9:57:15**
